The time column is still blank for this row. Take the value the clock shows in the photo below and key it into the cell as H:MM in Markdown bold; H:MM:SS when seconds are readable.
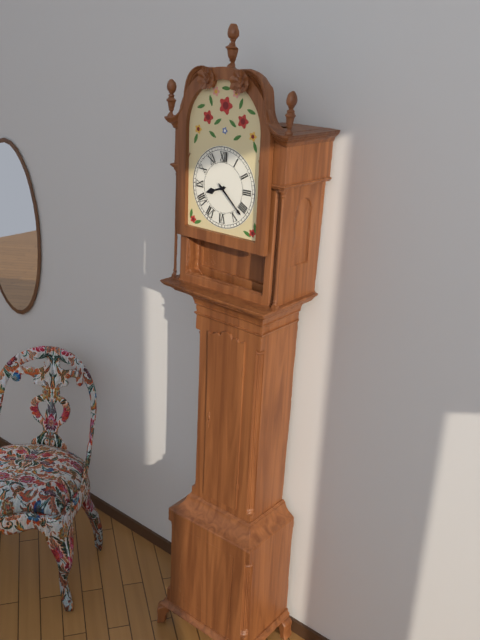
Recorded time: **8:22**
